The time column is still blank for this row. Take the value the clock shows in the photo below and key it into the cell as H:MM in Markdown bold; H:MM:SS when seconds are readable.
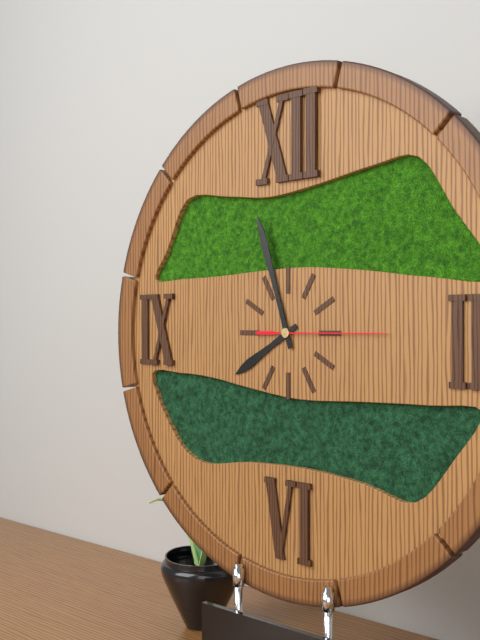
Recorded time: **7:57:15**
